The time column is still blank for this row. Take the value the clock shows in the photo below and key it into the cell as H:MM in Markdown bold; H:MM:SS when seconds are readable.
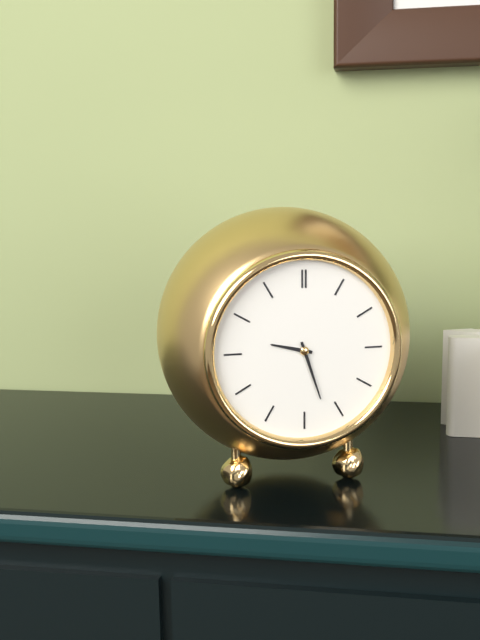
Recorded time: **9:27**
